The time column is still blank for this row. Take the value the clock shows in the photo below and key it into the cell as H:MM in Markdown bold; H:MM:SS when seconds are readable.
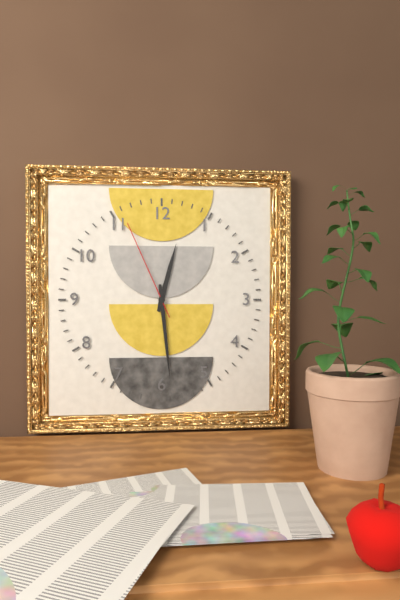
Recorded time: **12:29:56**
